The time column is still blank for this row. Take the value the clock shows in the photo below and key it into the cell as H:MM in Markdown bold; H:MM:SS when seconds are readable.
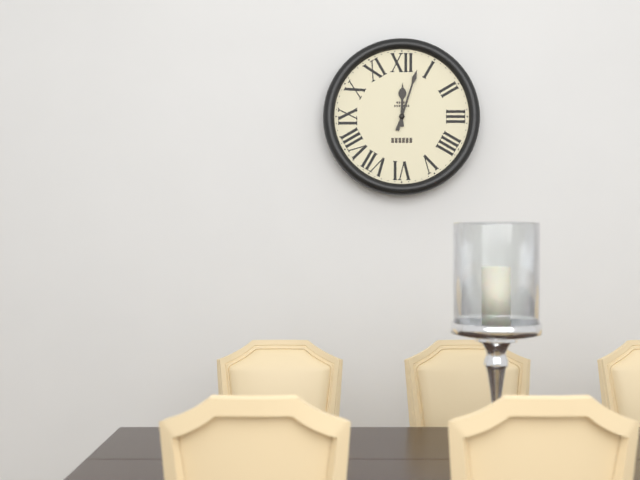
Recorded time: **12:03**
